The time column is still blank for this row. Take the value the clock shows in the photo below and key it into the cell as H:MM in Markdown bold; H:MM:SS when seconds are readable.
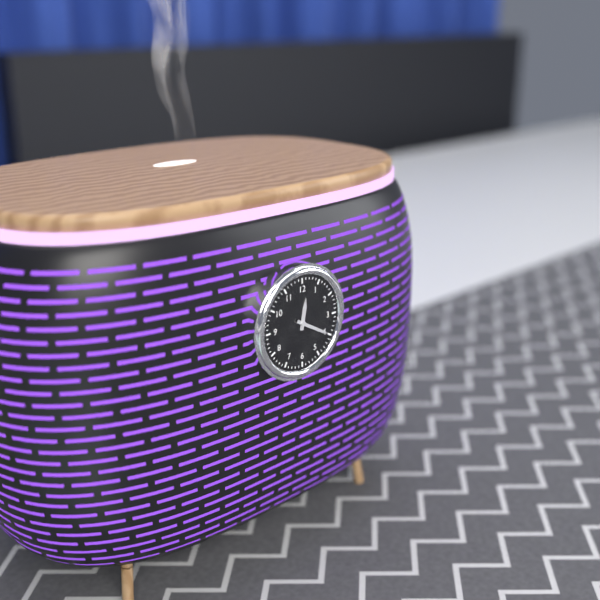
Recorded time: **12:20**
